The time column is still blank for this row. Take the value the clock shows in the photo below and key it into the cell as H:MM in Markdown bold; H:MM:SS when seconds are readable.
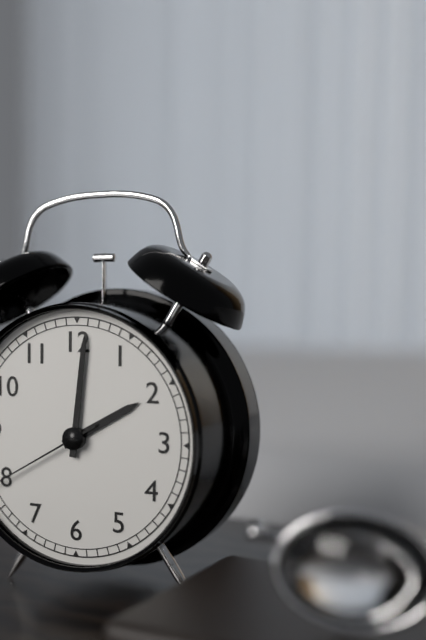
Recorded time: **2:01**
